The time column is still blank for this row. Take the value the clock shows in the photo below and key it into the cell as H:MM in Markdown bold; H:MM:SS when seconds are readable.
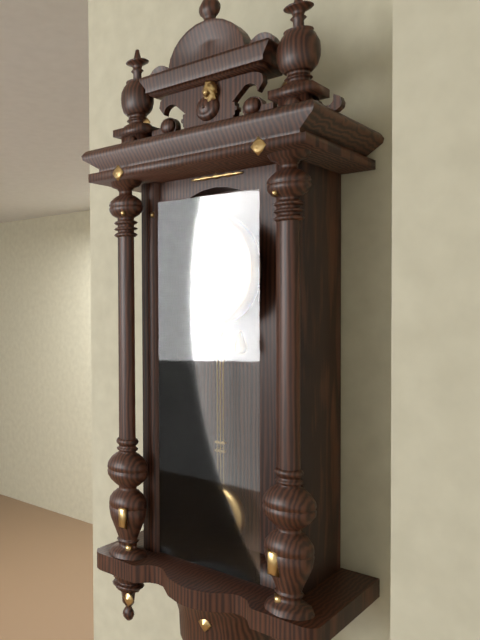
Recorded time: **7:00**
